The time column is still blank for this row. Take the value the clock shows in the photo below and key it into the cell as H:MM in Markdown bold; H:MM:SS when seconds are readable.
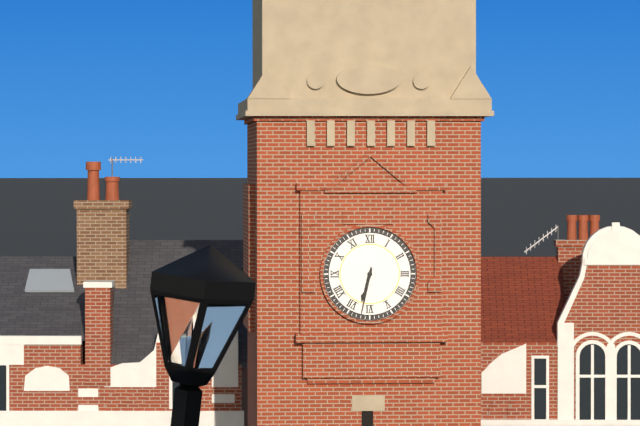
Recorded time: **6:32**
